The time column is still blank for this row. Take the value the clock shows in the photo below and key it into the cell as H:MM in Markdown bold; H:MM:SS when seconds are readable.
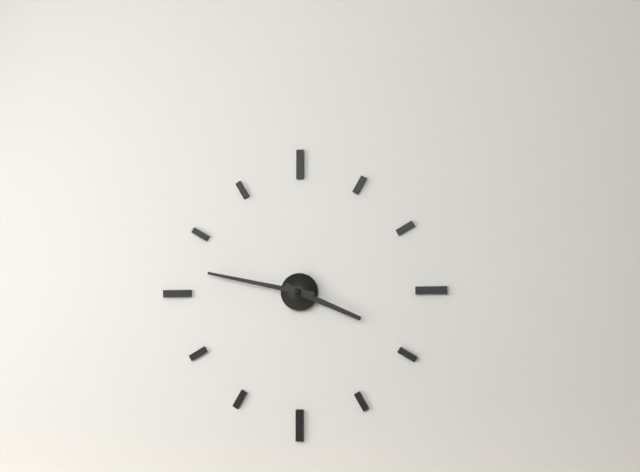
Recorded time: **3:47**
